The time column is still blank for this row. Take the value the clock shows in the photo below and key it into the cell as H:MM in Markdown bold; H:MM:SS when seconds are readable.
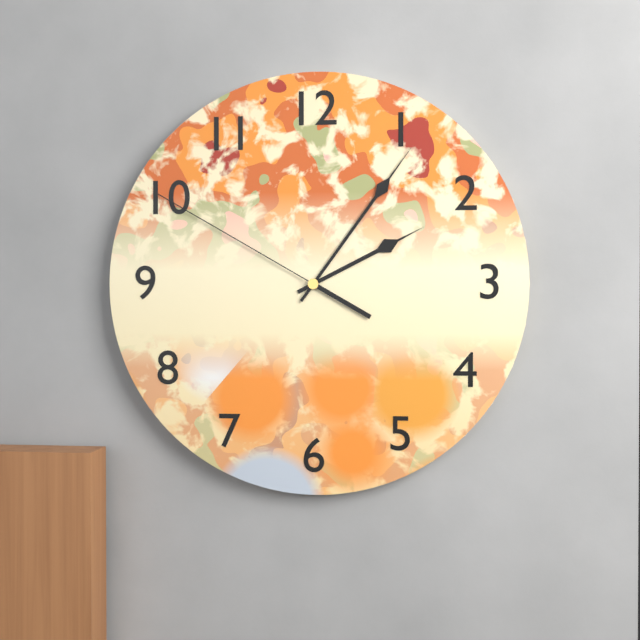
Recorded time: **2:06:50**
